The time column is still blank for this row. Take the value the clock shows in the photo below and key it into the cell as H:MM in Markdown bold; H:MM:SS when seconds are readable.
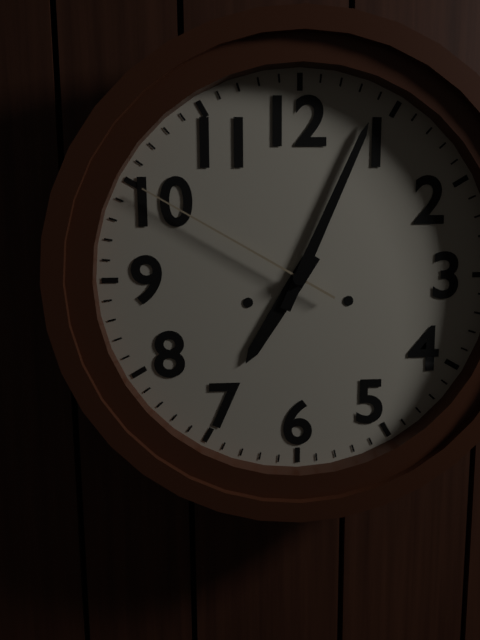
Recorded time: **7:04:50**
